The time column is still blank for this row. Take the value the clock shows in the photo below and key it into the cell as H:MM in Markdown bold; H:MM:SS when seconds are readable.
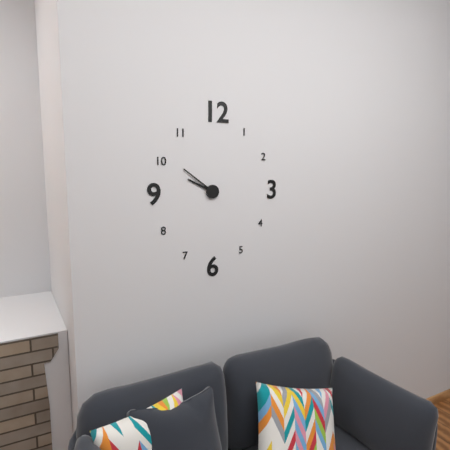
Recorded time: **9:51**
